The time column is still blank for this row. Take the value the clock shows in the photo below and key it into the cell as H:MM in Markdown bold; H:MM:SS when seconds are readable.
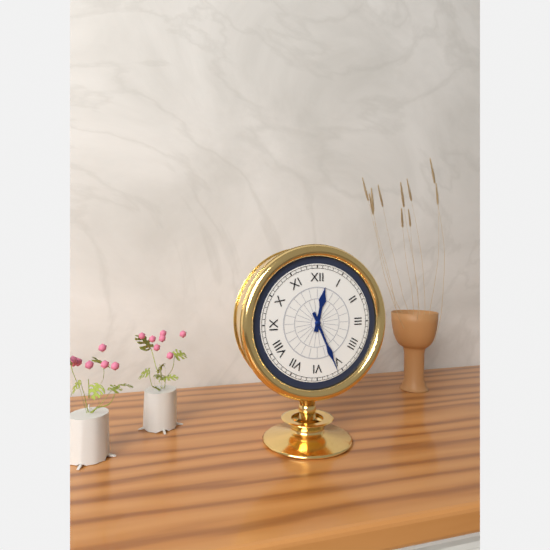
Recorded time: **12:26**
